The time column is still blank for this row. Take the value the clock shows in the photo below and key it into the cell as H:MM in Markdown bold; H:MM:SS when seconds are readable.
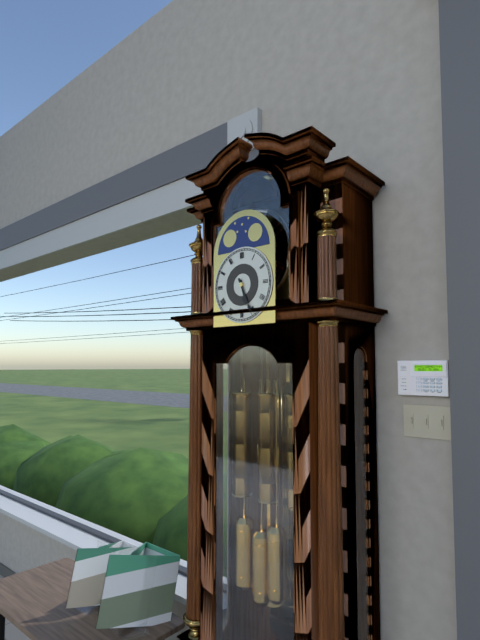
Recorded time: **5:26**
